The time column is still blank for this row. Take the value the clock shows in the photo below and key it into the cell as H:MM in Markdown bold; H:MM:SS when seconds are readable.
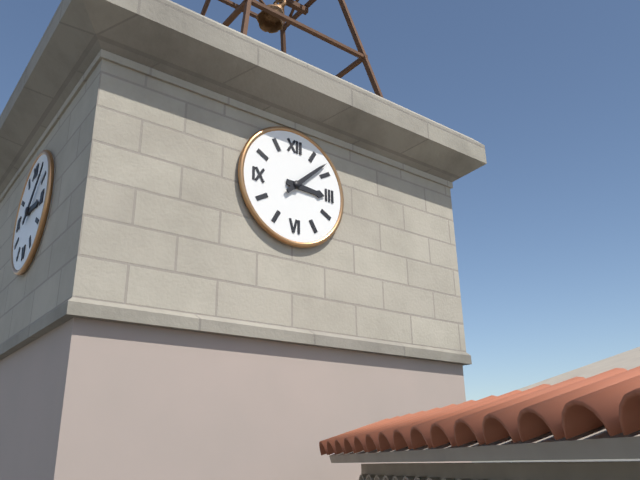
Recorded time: **3:08**
